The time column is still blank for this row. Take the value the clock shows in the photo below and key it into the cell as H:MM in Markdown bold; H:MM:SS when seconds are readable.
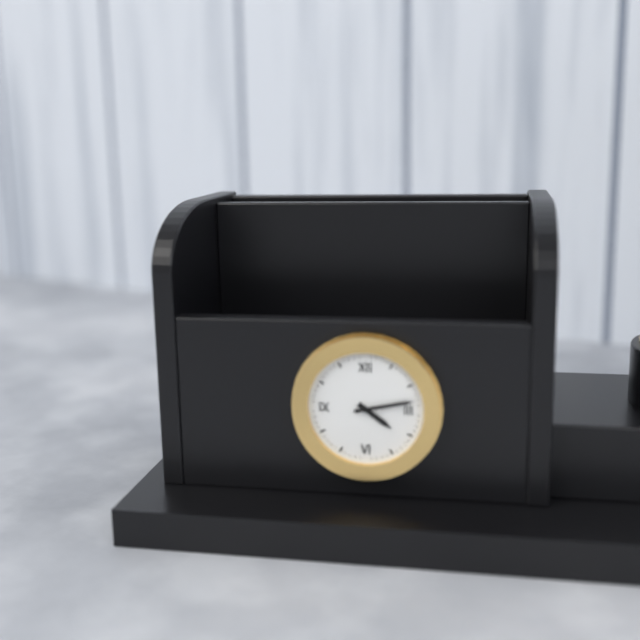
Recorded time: **4:13**
